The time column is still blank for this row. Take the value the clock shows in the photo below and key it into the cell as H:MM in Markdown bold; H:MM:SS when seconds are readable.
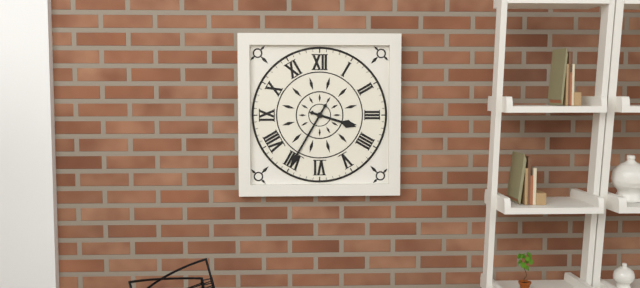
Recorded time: **3:35**
